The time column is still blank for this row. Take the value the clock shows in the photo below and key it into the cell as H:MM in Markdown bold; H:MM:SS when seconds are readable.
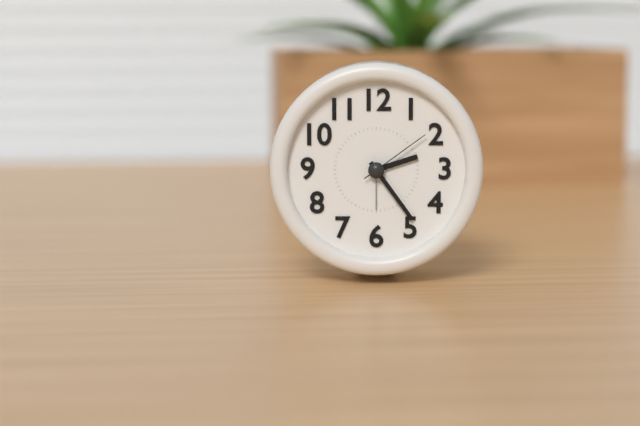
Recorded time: **2:24:09**
